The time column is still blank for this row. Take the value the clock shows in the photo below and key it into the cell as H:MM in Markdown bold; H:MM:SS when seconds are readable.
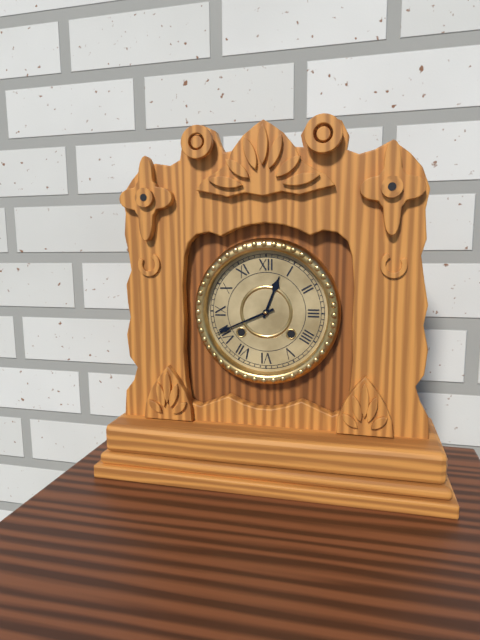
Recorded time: **12:41**
